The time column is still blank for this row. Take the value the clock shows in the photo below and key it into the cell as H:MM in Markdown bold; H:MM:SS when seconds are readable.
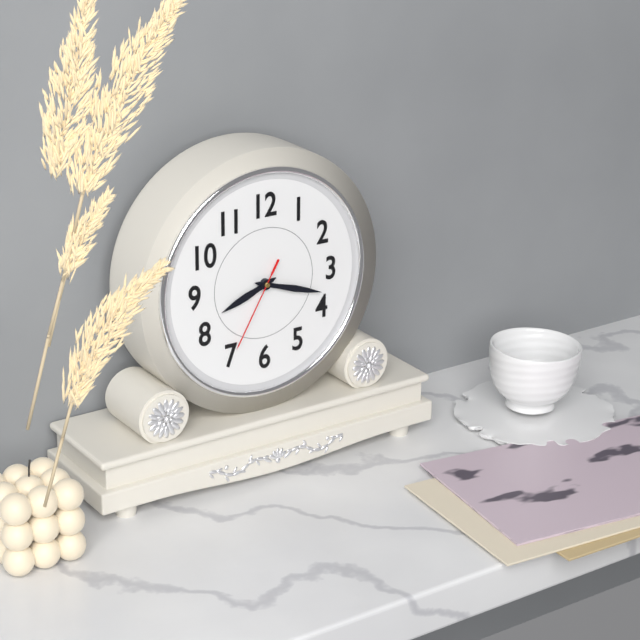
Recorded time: **8:18:35**
